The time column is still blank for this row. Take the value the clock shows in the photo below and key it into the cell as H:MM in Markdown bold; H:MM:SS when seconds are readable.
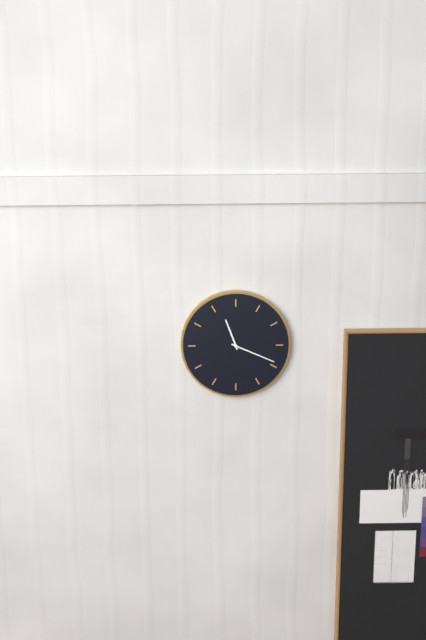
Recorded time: **11:19**
